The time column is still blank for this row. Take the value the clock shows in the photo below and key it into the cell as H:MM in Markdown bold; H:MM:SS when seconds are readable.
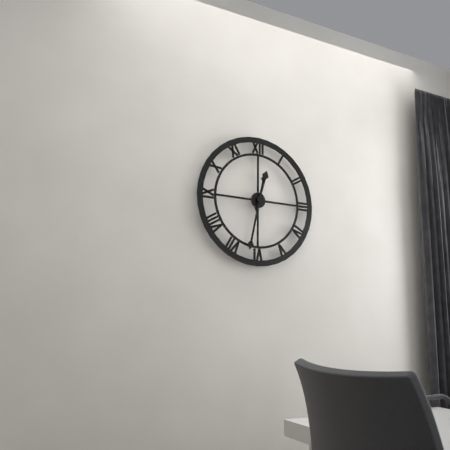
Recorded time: **12:32**
